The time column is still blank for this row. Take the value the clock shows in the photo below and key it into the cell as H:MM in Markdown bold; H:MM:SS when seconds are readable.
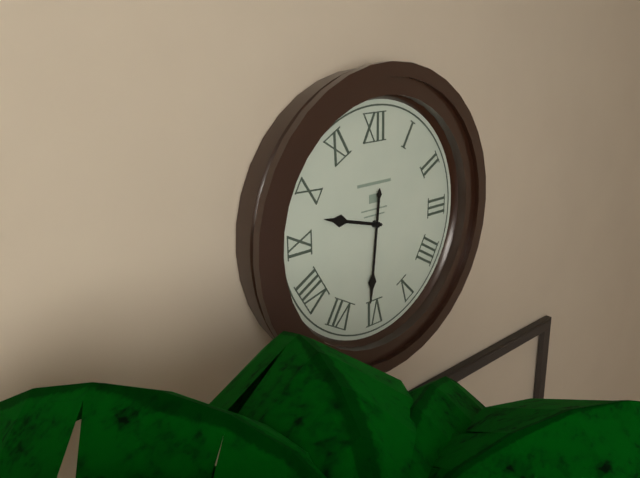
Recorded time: **9:31**
